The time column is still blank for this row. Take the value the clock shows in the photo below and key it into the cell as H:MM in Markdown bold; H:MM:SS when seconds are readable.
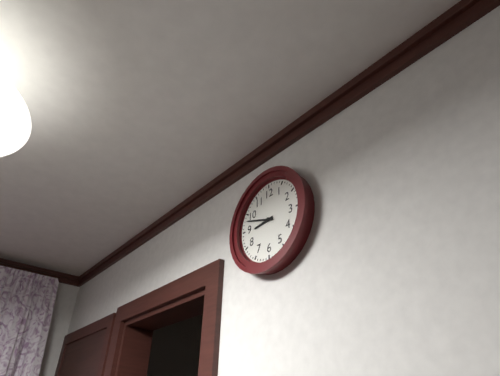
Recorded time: **8:48**
